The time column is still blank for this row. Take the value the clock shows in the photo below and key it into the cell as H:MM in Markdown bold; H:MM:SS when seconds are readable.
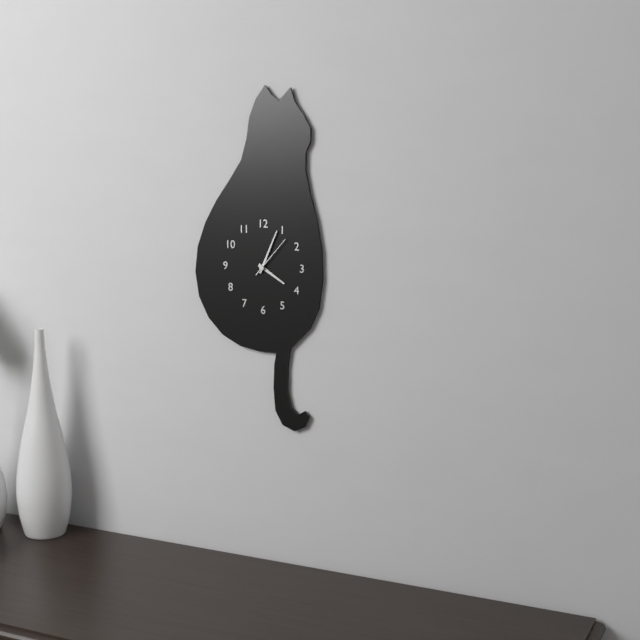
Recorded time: **4:04**
